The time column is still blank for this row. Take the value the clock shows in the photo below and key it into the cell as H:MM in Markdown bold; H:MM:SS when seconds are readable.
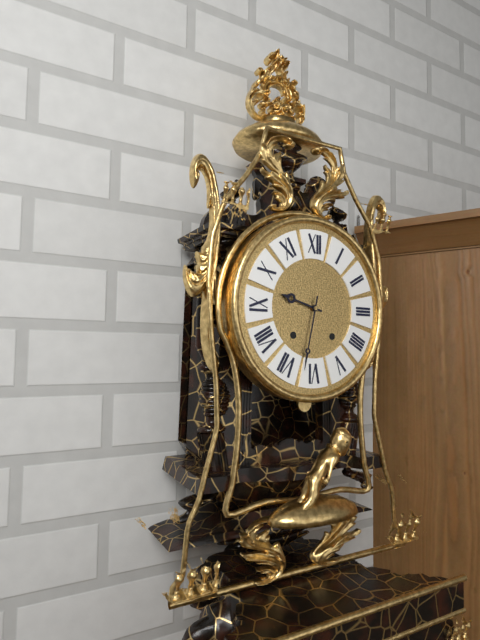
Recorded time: **9:32**
